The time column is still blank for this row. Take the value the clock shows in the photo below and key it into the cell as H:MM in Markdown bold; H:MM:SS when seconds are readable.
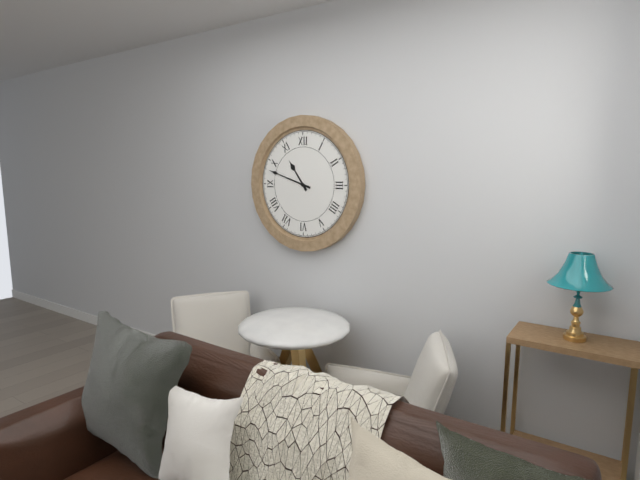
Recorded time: **10:48**
